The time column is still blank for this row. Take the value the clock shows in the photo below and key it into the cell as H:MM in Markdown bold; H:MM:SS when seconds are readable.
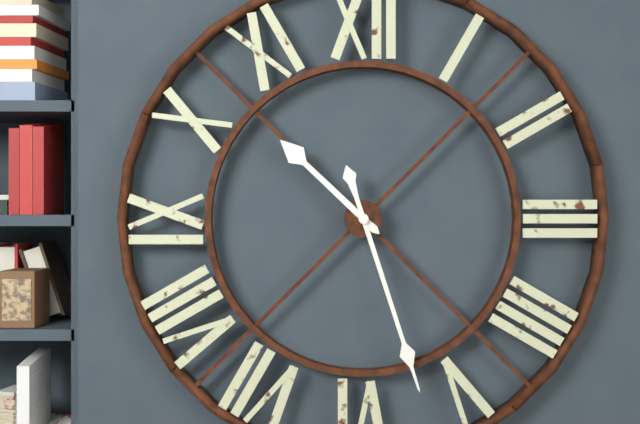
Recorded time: **10:27**
